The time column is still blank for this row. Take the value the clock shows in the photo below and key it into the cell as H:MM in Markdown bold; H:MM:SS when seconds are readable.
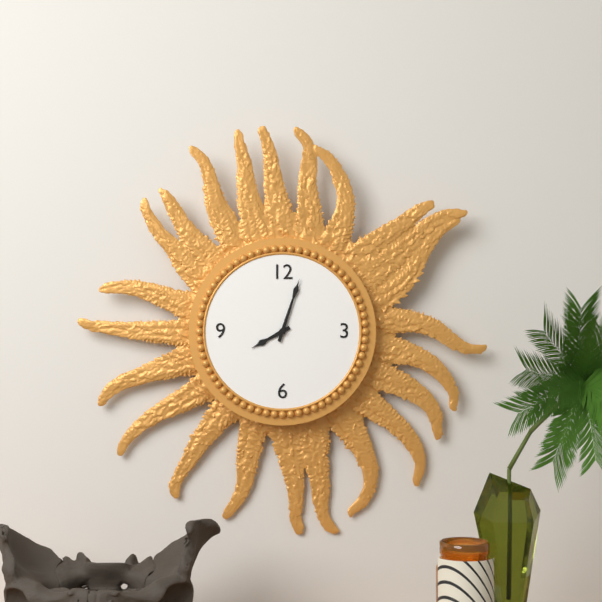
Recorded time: **8:03**
